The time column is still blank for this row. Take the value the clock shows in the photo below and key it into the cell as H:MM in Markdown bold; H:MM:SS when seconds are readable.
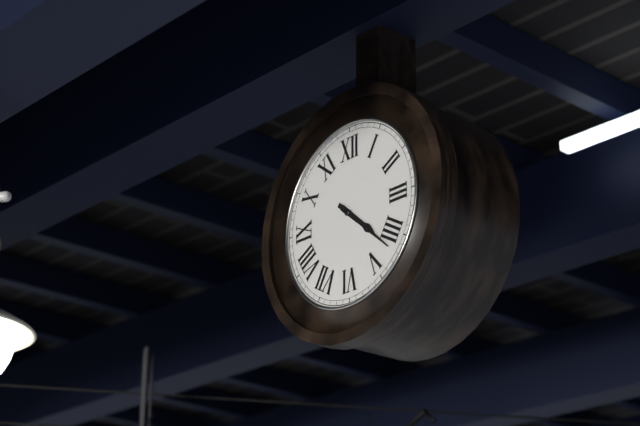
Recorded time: **4:22**
